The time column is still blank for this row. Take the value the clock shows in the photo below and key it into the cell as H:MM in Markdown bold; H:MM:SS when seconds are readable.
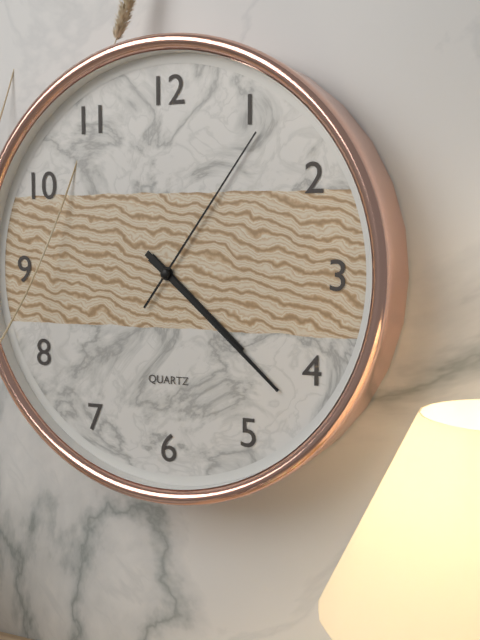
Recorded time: **4:22:06**
